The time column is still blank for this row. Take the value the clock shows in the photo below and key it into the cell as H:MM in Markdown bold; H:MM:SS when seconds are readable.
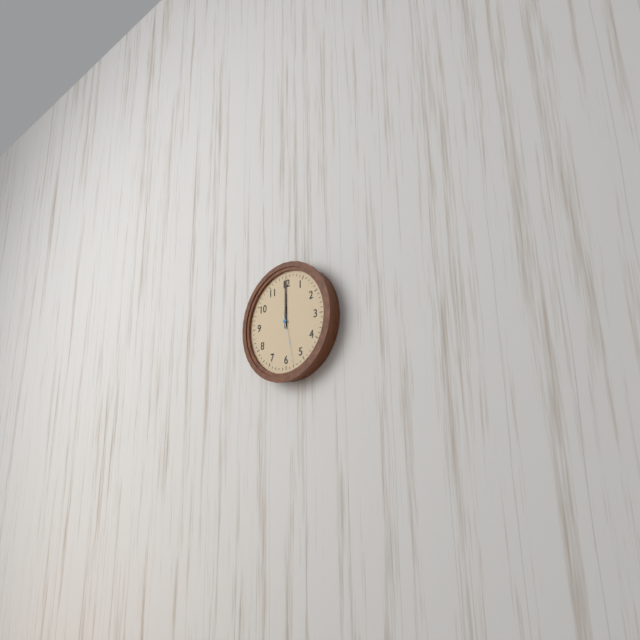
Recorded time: **12:00:28**
